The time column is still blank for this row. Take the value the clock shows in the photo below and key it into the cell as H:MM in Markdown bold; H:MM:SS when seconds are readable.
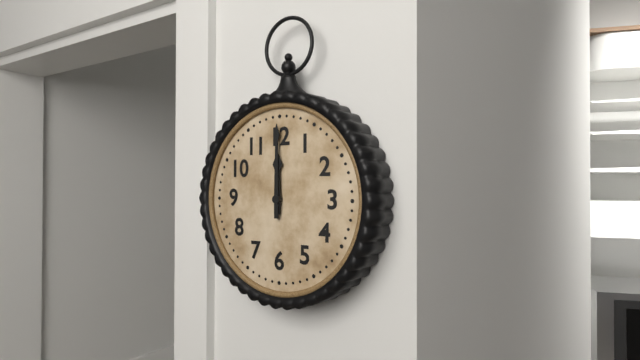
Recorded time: **12:00**
